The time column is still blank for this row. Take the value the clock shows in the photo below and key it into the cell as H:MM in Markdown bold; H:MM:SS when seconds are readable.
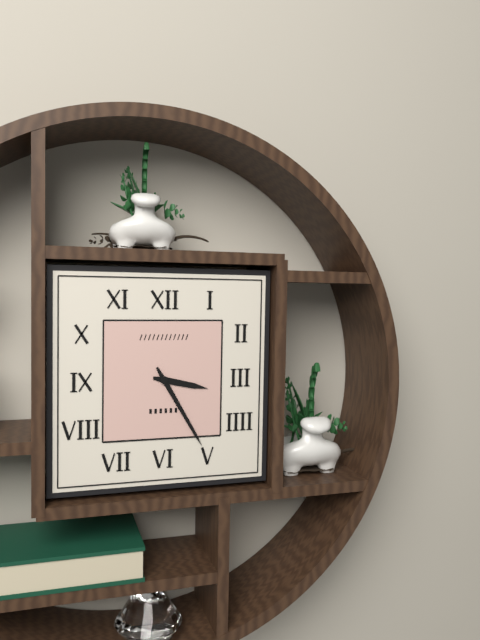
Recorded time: **3:25**
